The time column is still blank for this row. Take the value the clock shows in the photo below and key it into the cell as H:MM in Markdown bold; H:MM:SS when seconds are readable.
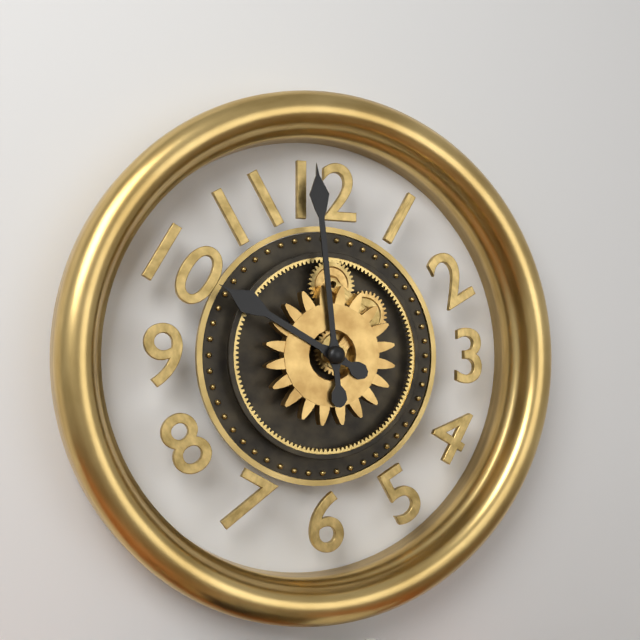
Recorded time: **9:59**
